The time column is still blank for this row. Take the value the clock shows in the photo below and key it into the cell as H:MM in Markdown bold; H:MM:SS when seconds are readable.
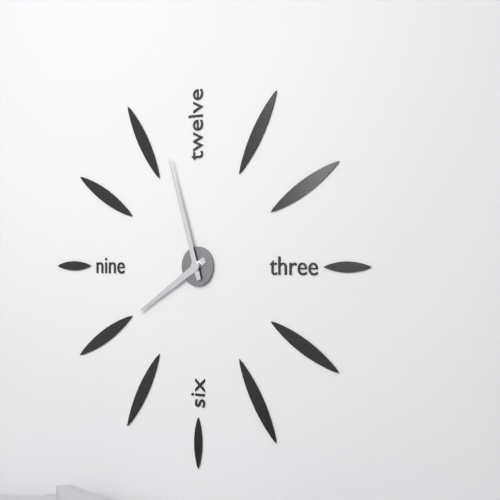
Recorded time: **7:57**
